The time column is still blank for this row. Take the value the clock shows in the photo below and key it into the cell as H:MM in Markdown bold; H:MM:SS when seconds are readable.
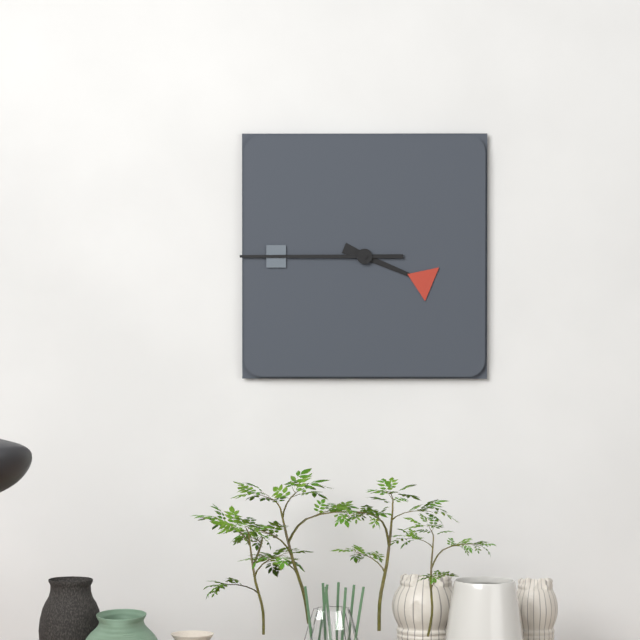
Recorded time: **3:45**
